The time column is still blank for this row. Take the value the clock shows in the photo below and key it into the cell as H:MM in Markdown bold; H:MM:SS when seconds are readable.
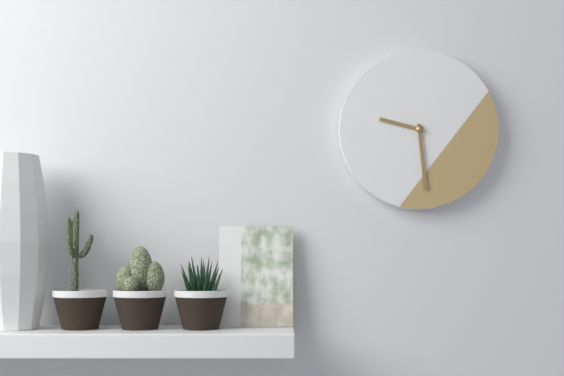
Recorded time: **9:29**
